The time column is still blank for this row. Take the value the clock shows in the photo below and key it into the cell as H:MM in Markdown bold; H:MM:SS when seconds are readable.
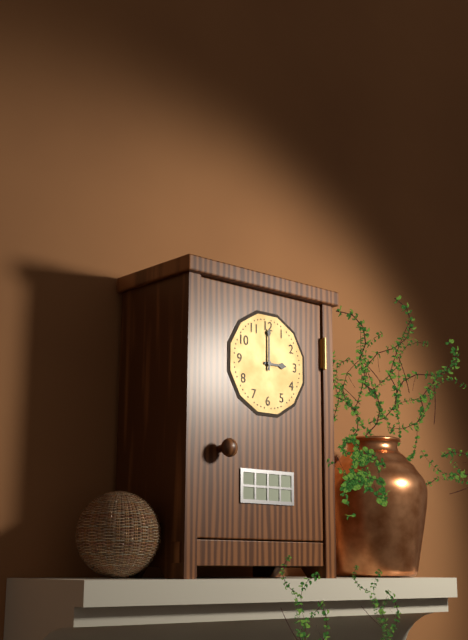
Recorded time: **3:00**
